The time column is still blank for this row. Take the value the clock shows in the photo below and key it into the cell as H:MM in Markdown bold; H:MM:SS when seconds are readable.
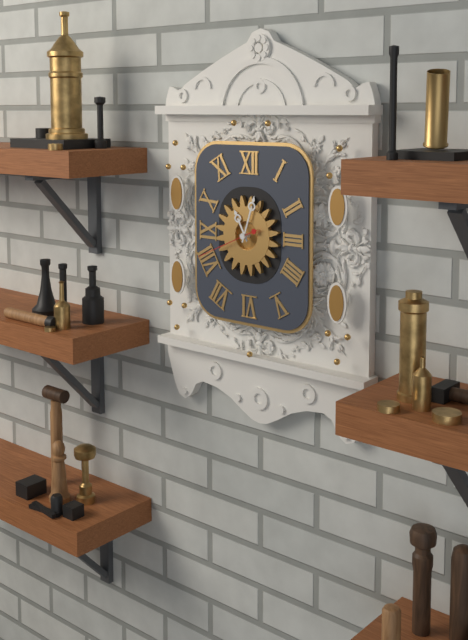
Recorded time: **11:03:41**
